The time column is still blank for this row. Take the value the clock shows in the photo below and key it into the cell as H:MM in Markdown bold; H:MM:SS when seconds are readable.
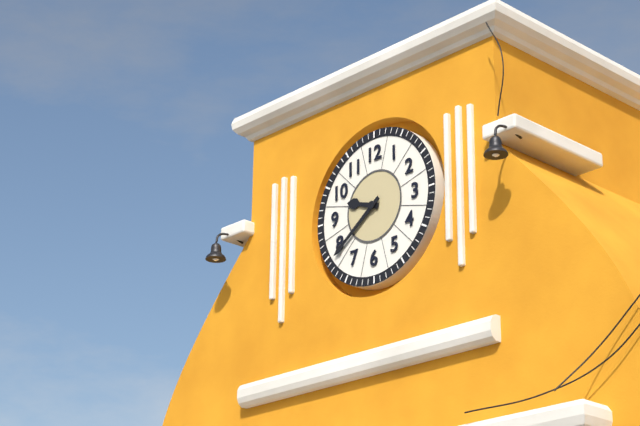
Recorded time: **9:39**
